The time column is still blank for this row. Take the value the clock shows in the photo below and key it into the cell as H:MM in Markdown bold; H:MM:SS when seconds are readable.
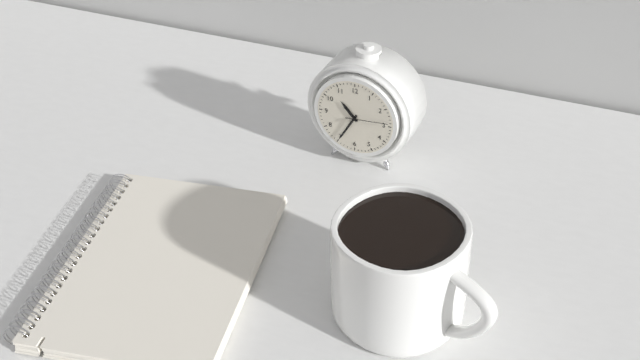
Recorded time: **10:35**
